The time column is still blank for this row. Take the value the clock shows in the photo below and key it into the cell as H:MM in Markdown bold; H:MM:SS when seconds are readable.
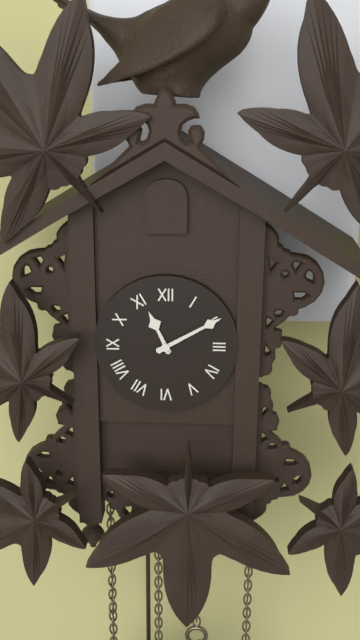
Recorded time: **11:10**
